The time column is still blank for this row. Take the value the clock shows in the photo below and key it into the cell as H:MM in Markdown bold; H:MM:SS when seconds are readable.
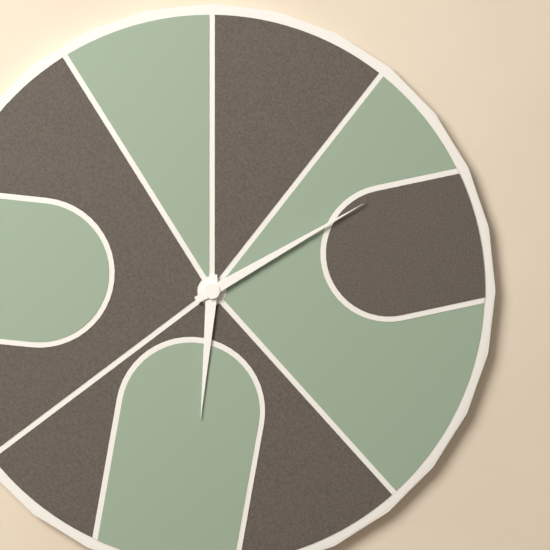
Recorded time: **6:10**
